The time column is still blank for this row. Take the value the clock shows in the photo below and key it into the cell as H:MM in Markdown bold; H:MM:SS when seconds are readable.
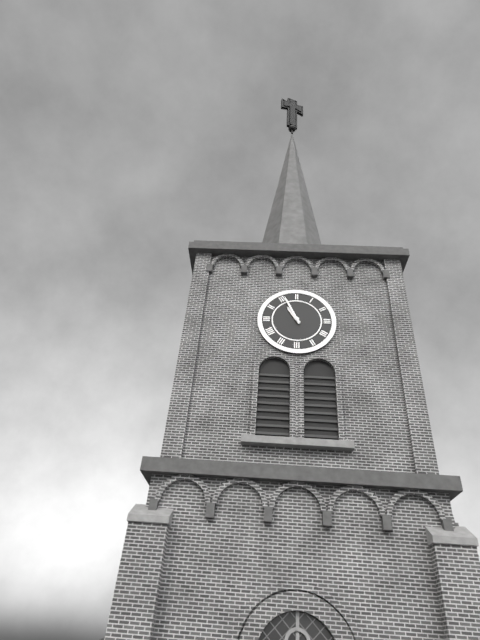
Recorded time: **10:56**
